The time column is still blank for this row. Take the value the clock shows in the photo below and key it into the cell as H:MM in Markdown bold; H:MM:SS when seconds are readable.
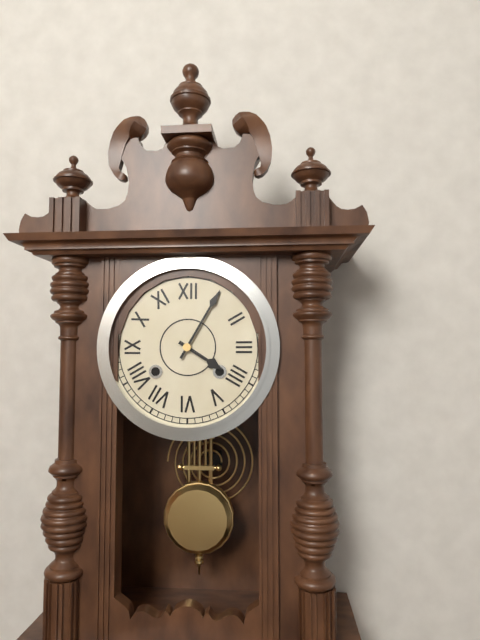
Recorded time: **4:05**
